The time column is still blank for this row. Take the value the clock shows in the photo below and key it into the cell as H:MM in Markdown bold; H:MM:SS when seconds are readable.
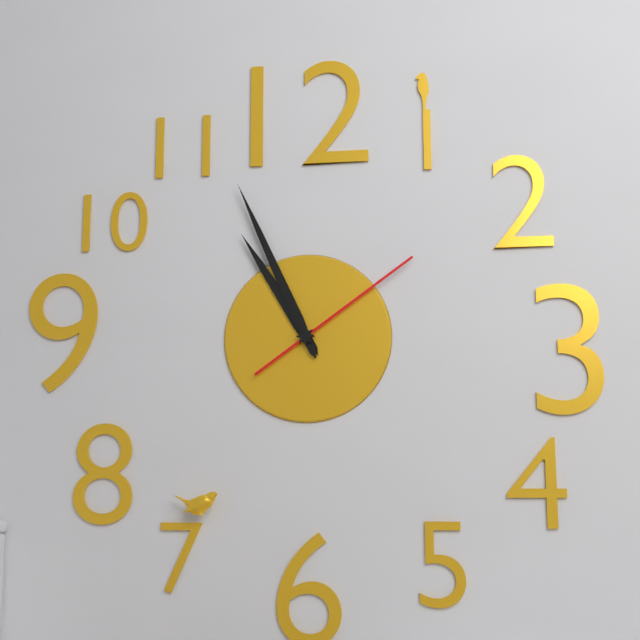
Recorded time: **10:56:09**
